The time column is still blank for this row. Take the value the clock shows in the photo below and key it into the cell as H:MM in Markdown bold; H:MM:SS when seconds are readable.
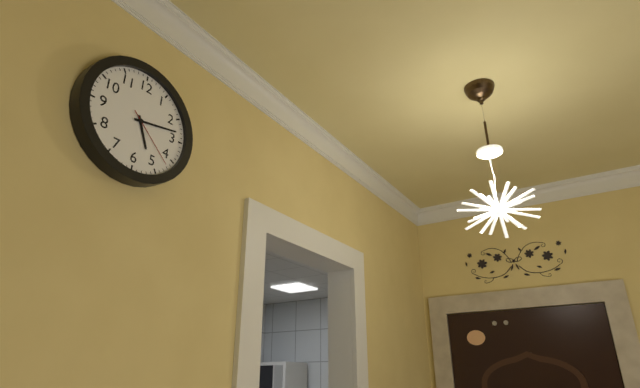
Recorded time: **5:13:22**
